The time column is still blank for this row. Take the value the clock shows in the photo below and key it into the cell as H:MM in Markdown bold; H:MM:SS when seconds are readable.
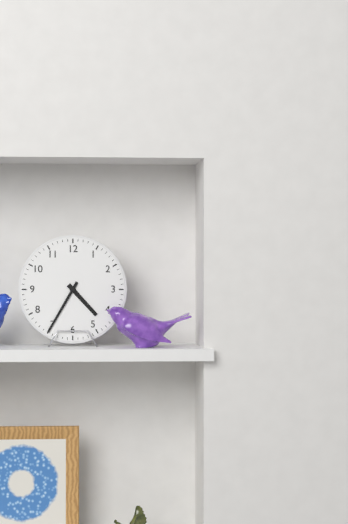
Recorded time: **4:35**
